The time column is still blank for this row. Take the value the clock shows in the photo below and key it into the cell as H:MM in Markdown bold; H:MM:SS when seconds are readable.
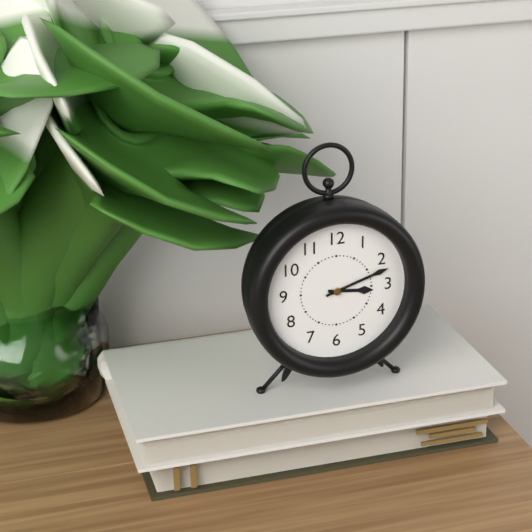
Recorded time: **3:12**
